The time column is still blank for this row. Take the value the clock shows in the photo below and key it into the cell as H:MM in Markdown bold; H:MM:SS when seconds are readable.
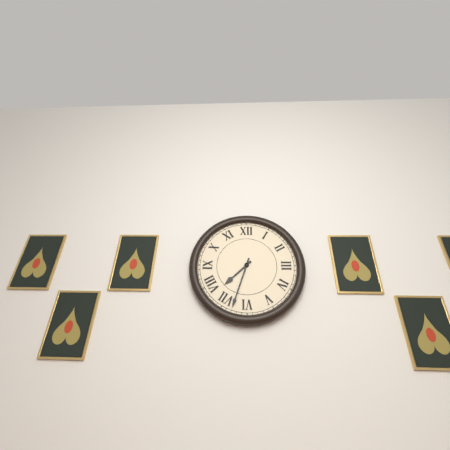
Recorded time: **7:33**
